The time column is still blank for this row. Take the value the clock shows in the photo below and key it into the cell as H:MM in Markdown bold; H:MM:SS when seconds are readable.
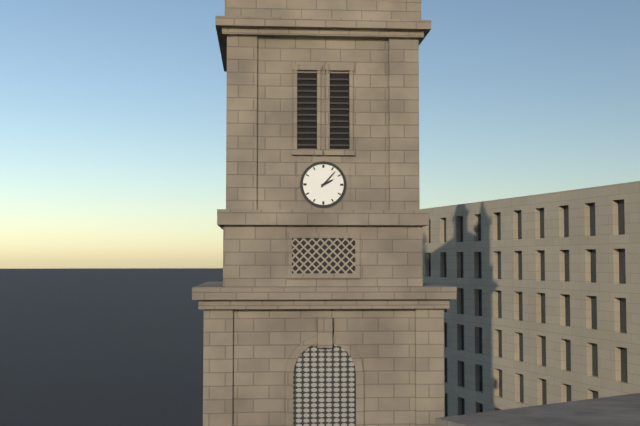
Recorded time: **2:07**
